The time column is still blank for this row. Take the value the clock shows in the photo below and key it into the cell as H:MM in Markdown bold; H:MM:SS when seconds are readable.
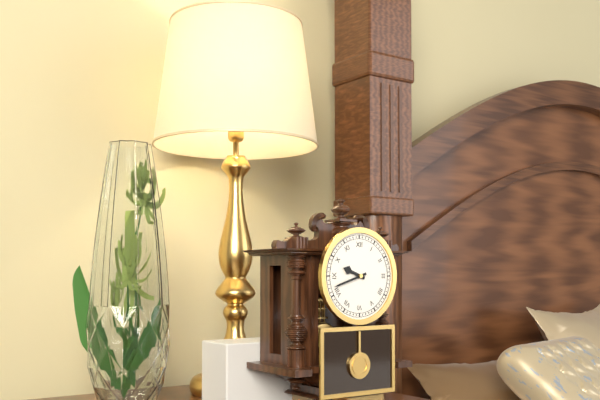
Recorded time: **9:42**
